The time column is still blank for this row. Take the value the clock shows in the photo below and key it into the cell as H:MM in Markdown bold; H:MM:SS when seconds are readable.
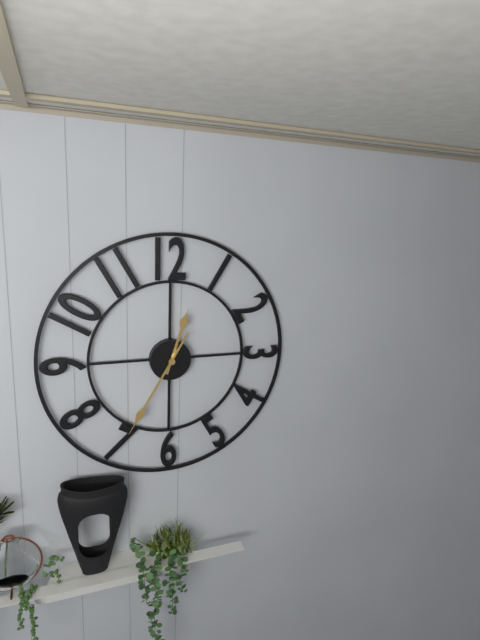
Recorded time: **12:35**
